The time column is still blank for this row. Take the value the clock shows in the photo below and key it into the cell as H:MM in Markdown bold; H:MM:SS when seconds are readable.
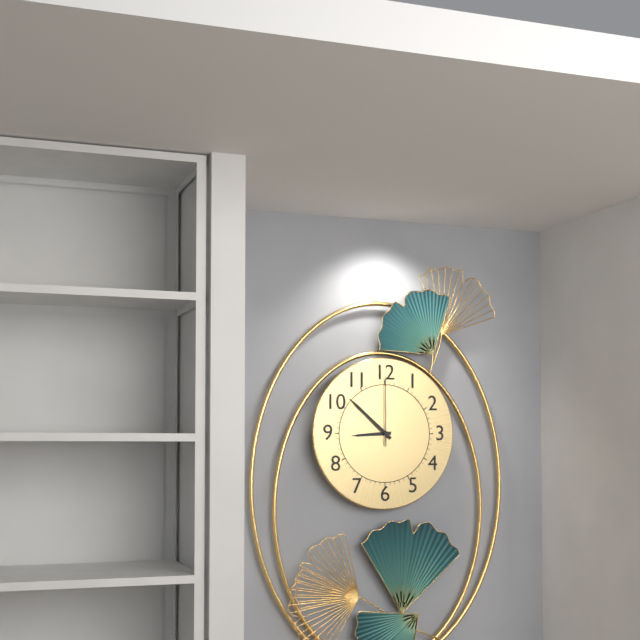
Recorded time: **8:52:00**
